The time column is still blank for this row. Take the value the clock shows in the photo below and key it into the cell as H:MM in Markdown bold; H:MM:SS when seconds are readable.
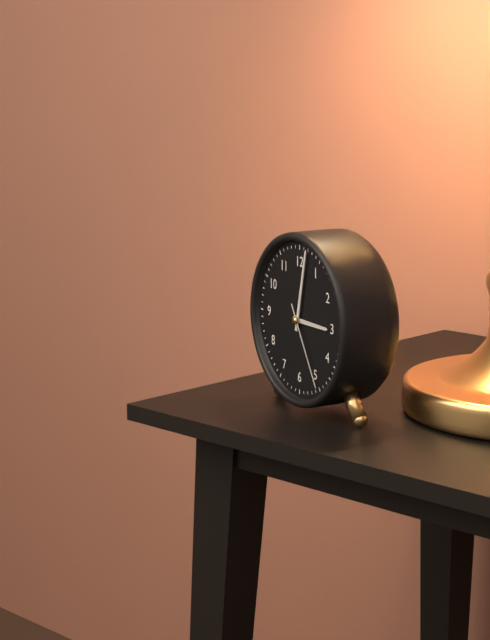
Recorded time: **3:02:25**
